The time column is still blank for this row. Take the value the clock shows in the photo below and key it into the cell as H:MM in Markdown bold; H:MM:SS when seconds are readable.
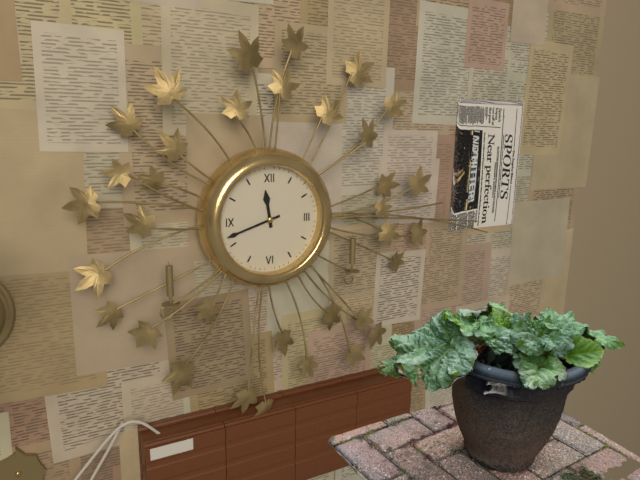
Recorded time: **11:42**
